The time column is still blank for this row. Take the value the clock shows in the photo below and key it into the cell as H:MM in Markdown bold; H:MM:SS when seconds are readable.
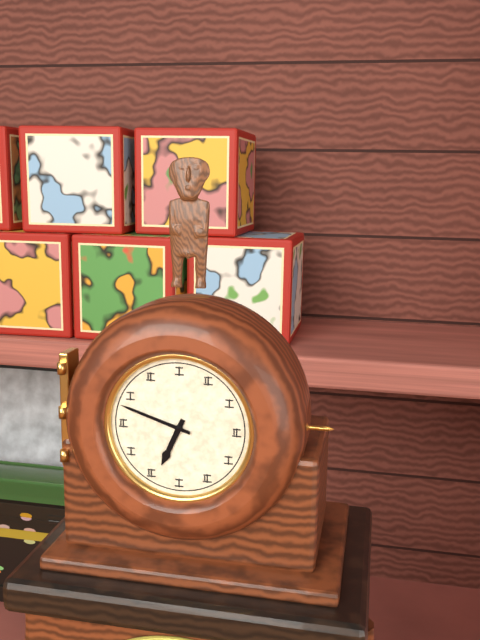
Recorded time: **6:48**
